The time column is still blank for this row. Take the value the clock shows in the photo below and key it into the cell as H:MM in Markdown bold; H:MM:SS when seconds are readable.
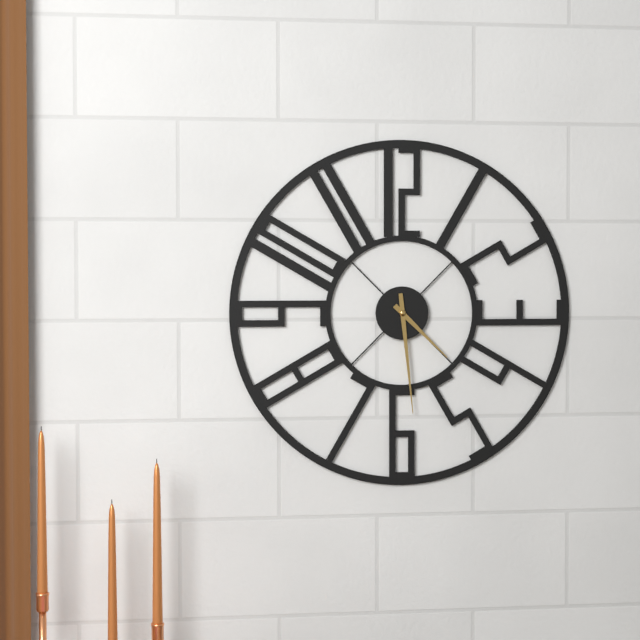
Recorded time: **4:29**
